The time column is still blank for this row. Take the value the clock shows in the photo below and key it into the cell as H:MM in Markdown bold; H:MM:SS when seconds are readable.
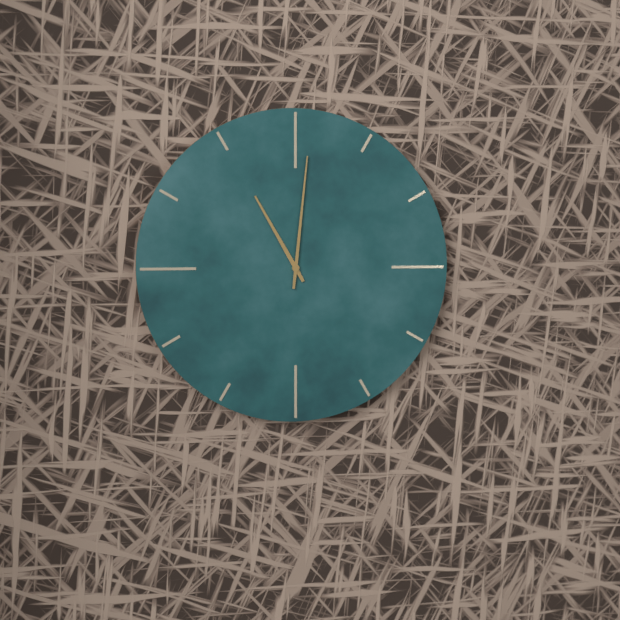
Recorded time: **11:01**
